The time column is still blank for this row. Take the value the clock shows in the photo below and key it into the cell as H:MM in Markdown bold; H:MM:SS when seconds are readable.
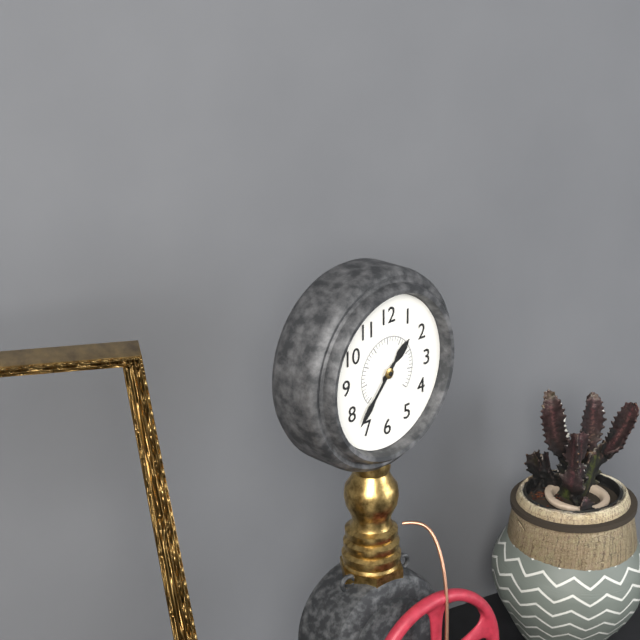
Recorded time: **1:37**
